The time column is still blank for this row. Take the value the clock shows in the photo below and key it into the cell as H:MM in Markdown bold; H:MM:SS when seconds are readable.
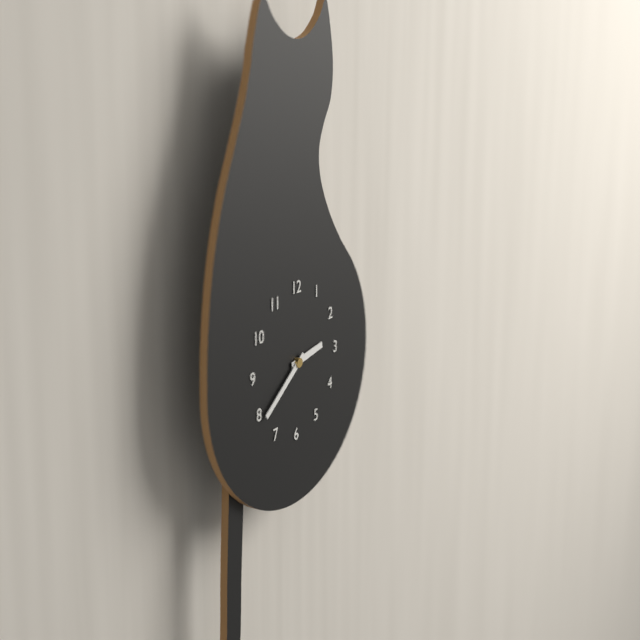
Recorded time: **2:39**
